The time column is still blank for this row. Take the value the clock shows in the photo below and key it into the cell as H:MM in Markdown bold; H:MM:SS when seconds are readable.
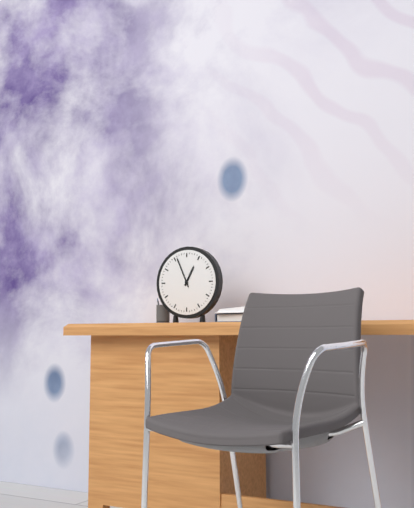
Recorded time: **12:56**
